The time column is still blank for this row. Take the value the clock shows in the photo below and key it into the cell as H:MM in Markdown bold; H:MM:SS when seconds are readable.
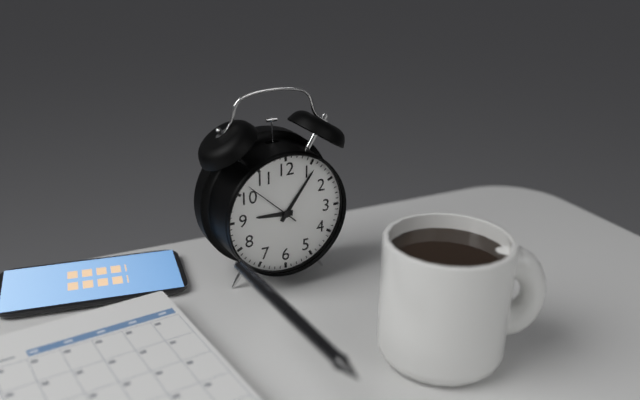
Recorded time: **9:06:52**
